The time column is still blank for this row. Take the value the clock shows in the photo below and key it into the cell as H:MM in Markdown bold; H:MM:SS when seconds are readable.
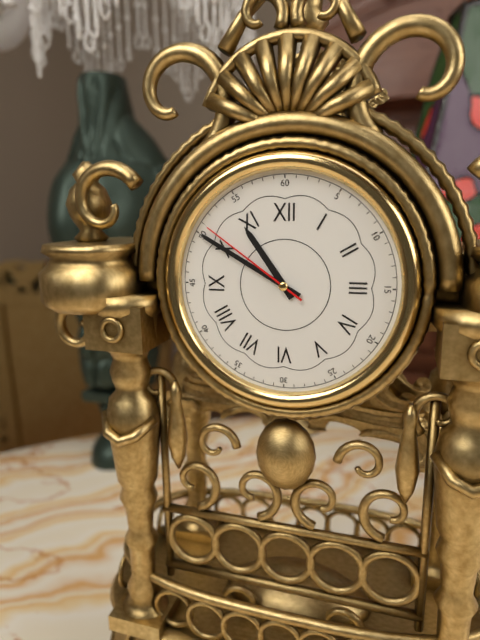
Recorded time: **10:50:51**
